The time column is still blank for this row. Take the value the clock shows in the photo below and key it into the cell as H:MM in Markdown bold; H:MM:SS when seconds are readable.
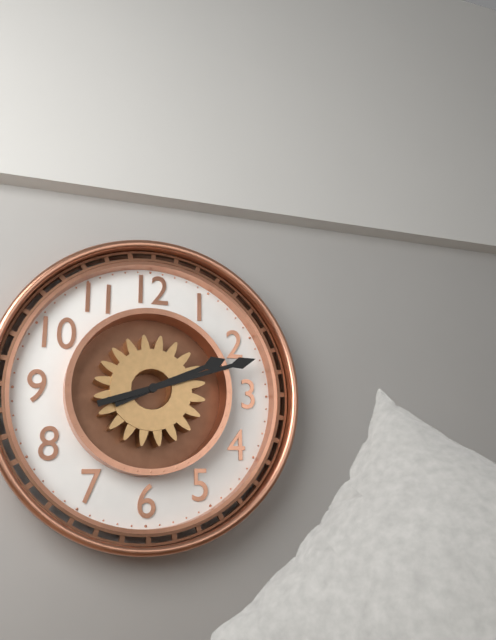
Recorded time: **2:12**
